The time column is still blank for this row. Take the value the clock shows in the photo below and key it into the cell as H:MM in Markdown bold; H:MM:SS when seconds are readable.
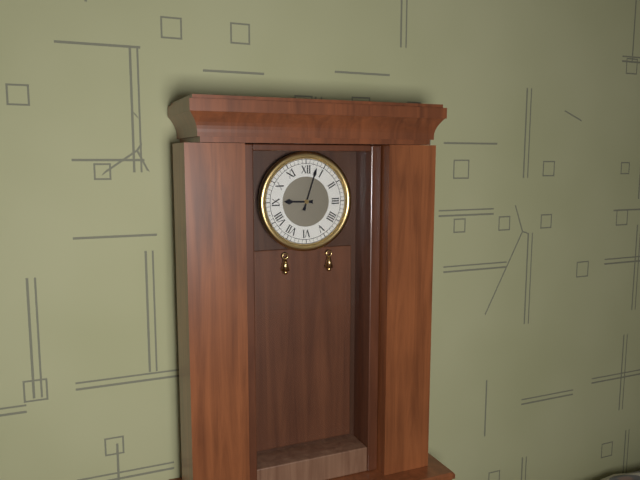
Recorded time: **9:03**
